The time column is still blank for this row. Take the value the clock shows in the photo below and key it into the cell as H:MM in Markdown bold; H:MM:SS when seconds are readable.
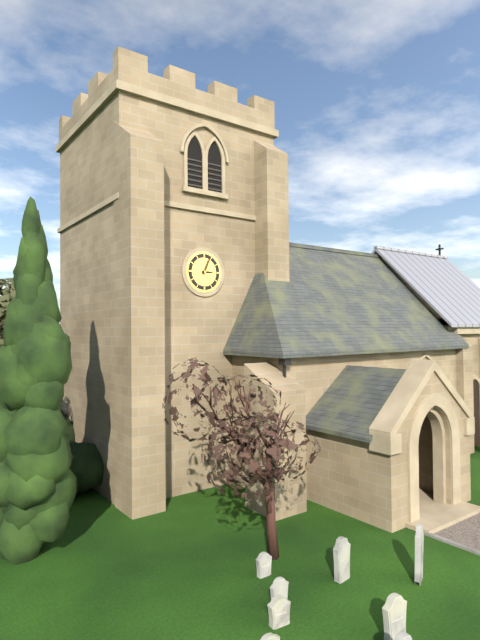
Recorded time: **3:04**
